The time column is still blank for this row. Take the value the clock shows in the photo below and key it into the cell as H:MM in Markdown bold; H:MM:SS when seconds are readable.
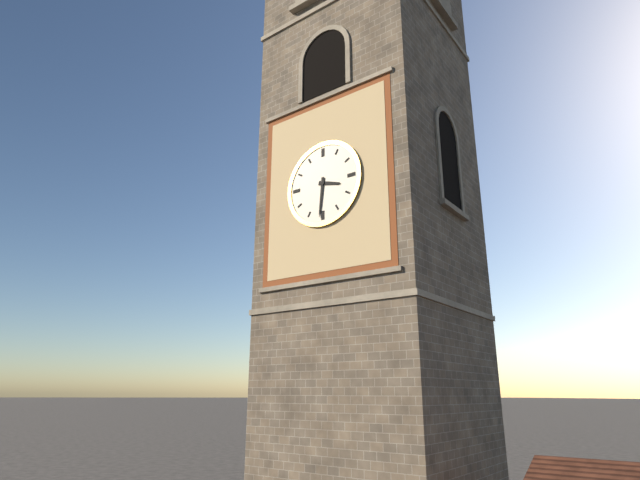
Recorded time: **3:31**
